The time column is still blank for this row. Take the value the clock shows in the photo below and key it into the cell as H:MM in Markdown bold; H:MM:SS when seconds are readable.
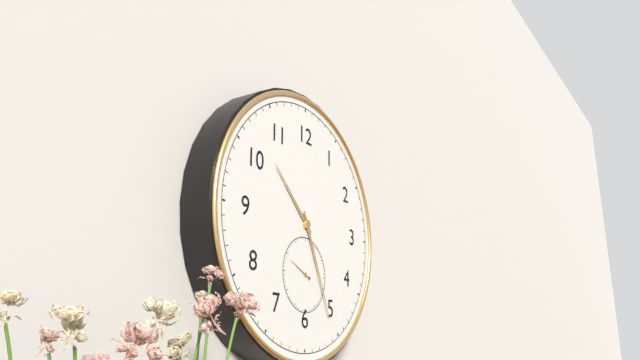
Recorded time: **10:26**
